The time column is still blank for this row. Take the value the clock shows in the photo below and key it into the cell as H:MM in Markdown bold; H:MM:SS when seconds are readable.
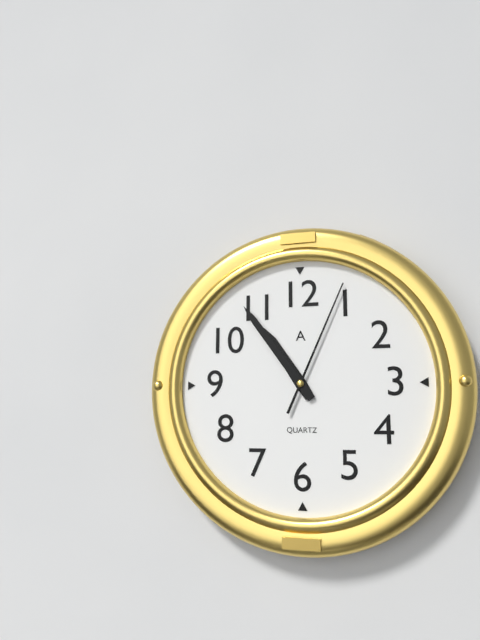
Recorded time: **10:54:04**
